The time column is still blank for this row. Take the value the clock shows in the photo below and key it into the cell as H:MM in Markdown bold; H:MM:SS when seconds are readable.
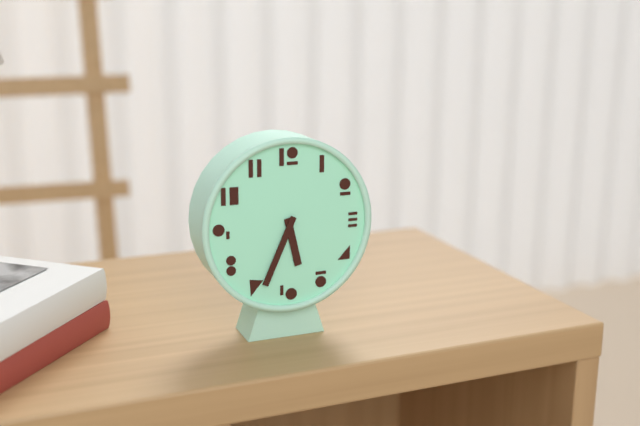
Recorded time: **5:34**
